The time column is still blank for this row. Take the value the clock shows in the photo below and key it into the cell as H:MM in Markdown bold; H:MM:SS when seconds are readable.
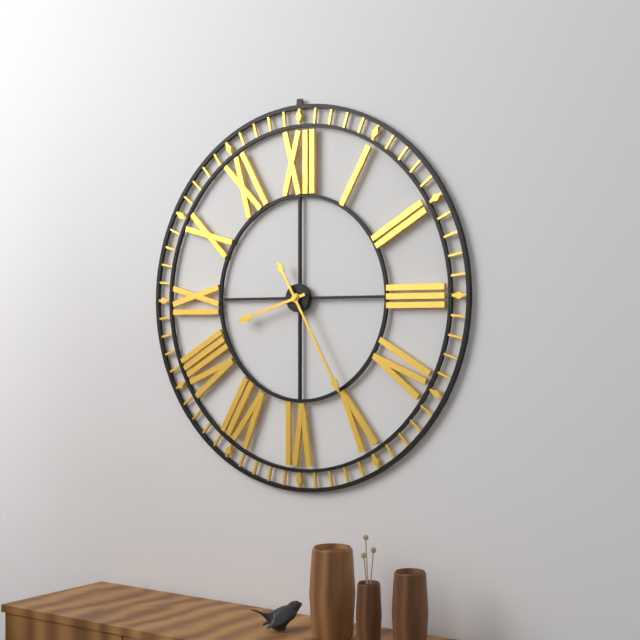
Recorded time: **8:25**
